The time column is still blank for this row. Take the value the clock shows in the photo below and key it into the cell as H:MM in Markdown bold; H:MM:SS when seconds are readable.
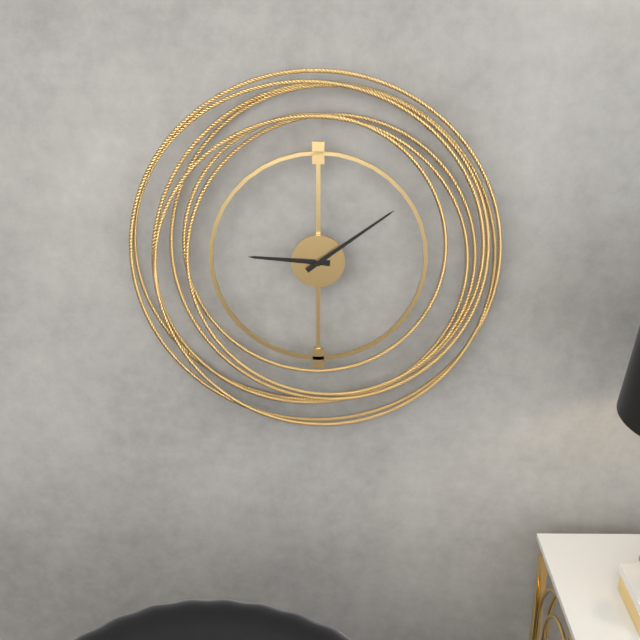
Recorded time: **9:09**
